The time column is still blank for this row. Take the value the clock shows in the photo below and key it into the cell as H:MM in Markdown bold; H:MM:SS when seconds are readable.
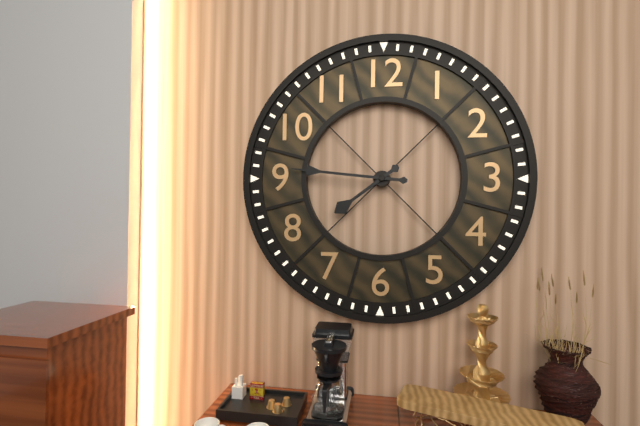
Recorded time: **7:46**
